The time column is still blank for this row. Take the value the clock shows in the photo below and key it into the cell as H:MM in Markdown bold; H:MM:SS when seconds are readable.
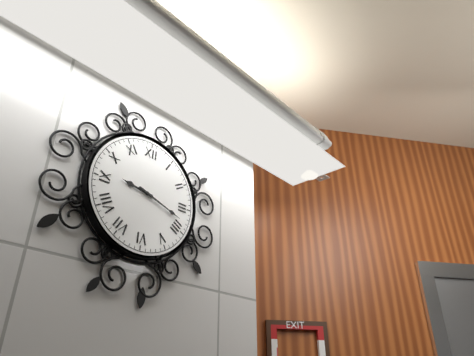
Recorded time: **9:18**
